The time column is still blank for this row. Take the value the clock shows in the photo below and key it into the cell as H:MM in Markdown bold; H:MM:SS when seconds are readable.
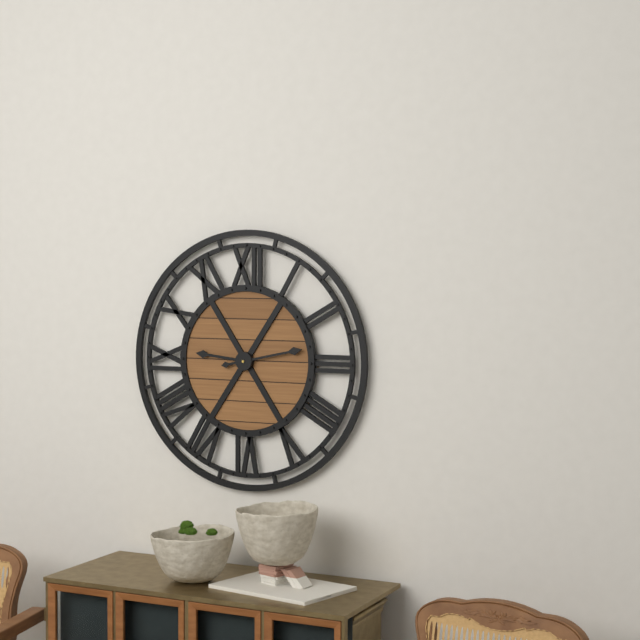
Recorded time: **9:13**
